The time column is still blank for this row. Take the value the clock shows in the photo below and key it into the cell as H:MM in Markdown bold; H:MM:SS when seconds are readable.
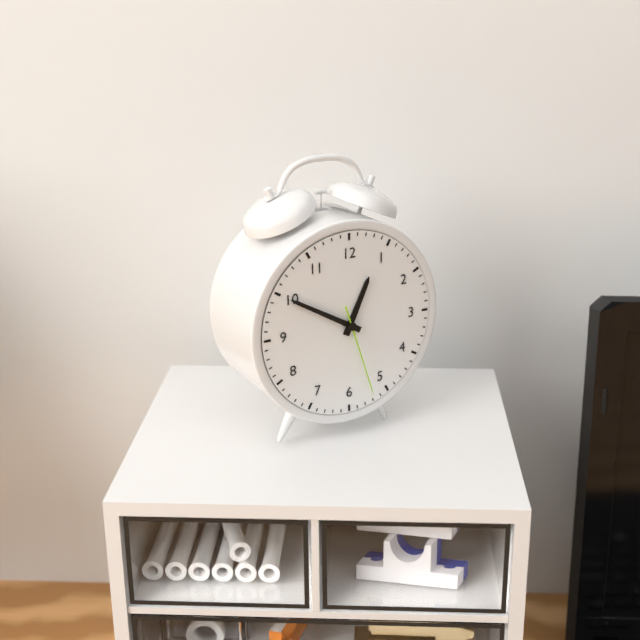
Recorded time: **12:50:27**
